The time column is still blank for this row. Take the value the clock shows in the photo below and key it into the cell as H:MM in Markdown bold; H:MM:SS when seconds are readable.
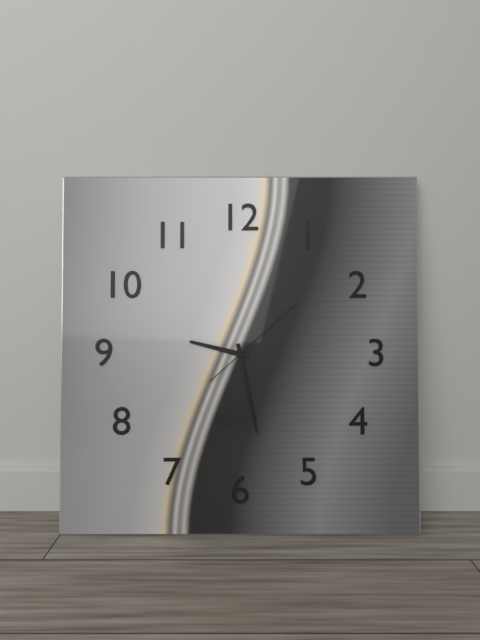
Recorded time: **9:28:08**
